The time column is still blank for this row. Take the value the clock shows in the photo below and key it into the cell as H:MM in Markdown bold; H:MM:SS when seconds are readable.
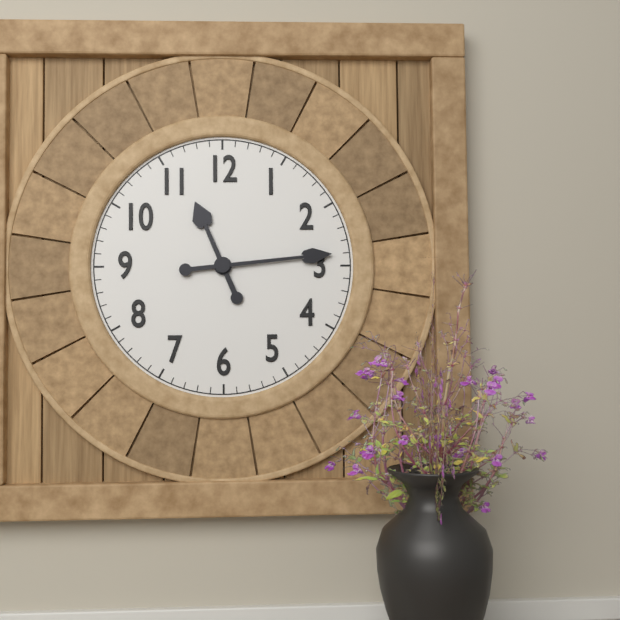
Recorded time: **11:14**
